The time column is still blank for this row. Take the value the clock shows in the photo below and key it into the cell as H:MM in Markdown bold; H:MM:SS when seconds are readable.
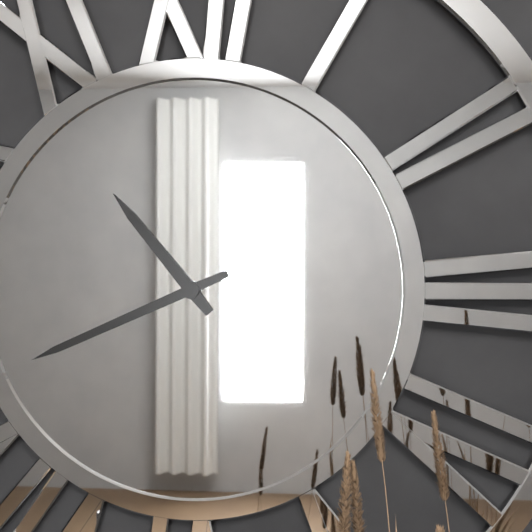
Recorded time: **10:41**
